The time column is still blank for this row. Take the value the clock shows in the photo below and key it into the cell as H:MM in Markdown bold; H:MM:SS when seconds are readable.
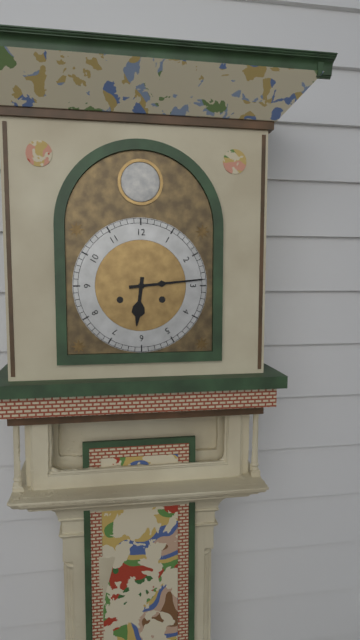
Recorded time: **6:14**
